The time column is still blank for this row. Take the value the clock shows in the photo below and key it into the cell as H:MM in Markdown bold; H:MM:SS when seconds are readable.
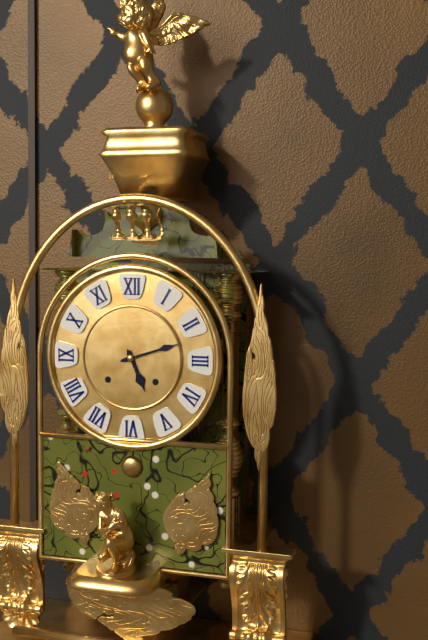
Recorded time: **5:12**
